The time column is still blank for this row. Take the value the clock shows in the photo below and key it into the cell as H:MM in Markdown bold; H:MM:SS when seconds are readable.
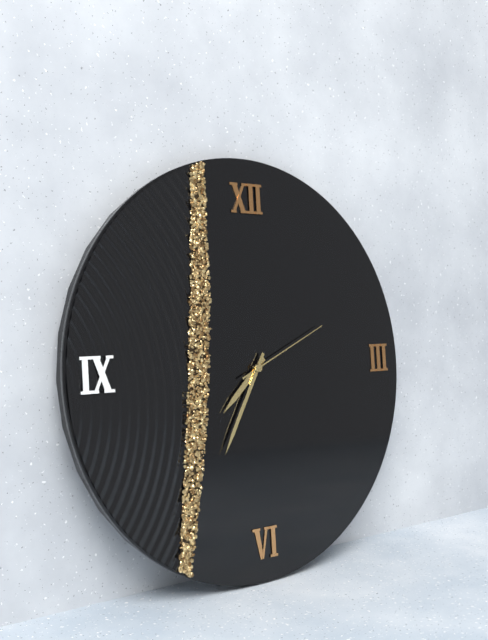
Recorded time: **7:35:11**
